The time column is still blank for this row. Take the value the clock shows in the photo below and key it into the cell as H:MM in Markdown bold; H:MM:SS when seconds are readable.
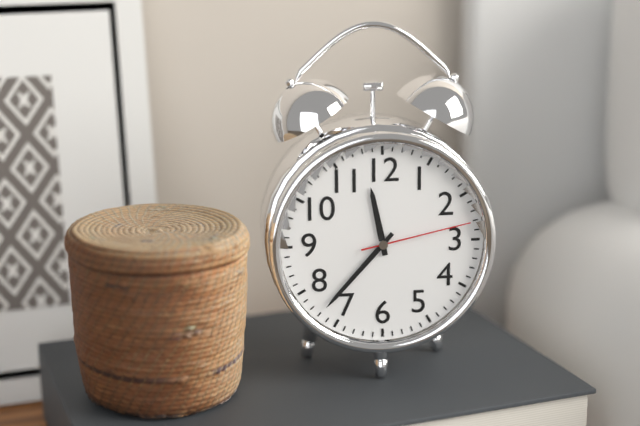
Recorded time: **11:37:13**
